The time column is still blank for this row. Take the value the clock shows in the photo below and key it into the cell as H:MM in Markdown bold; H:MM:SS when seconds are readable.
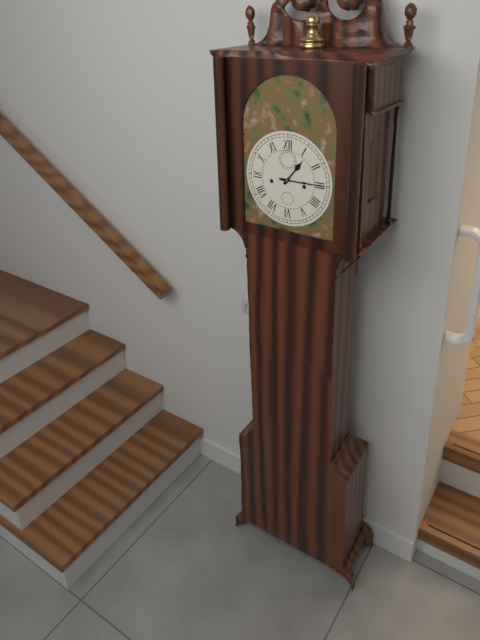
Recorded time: **1:15**
